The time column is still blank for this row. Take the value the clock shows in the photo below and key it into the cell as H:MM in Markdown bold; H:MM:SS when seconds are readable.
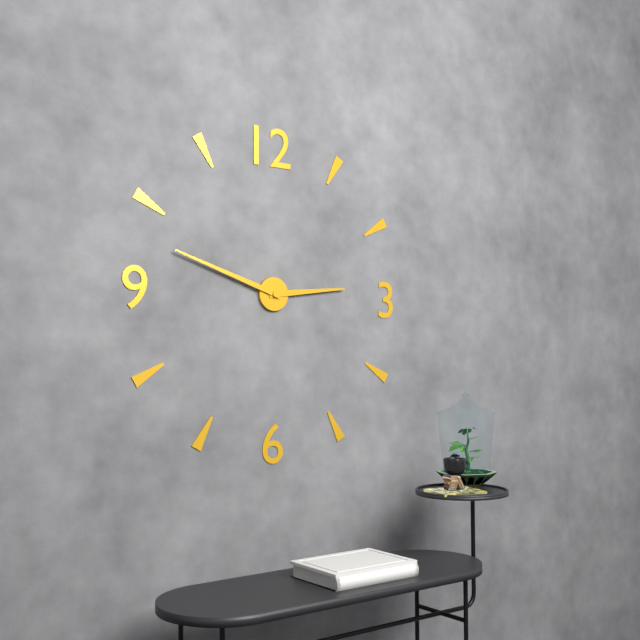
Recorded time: **2:48**
